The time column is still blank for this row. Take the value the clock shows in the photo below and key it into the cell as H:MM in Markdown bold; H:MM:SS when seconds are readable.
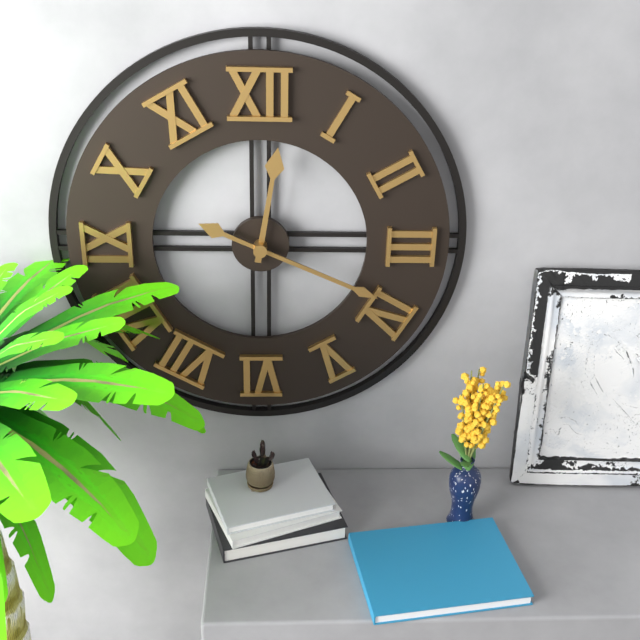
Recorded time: **12:19**
